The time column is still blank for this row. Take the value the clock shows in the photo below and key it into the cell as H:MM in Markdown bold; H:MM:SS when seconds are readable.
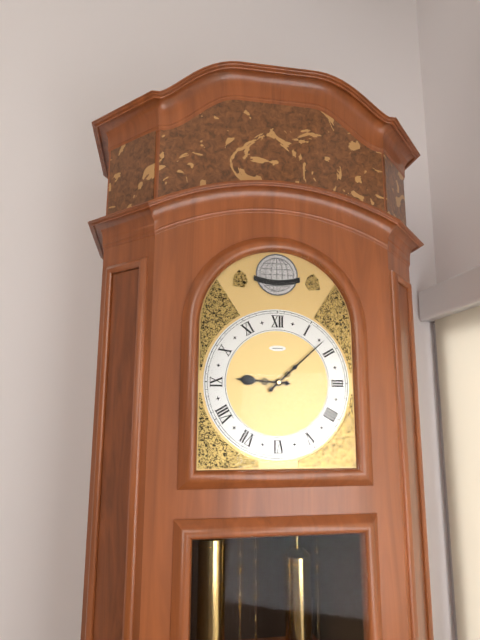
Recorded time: **9:08**
